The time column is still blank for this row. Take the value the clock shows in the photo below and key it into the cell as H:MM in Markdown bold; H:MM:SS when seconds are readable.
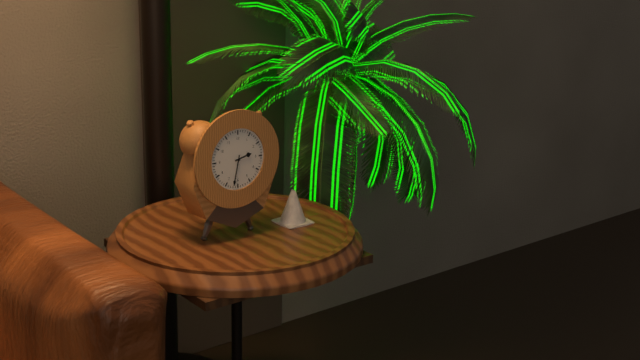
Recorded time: **2:32**
